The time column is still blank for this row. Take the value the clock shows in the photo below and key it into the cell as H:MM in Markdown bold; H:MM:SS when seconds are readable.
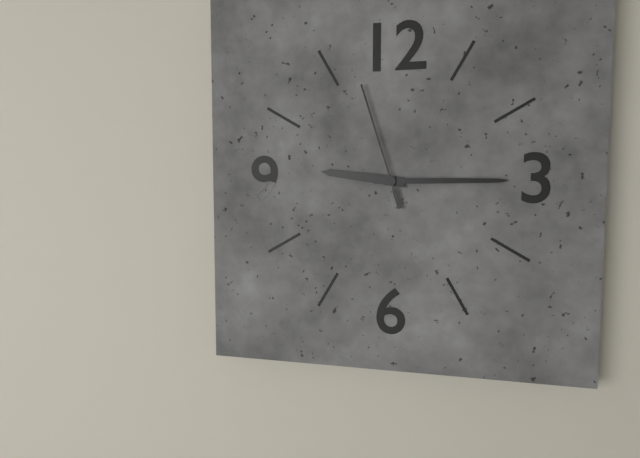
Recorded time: **9:15:57**
